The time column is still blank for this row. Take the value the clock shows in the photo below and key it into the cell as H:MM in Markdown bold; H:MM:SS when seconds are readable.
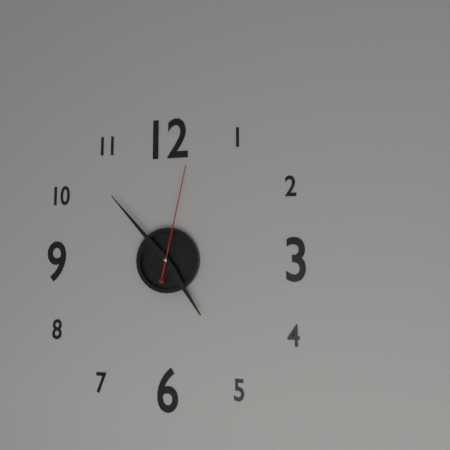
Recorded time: **4:53:02**
